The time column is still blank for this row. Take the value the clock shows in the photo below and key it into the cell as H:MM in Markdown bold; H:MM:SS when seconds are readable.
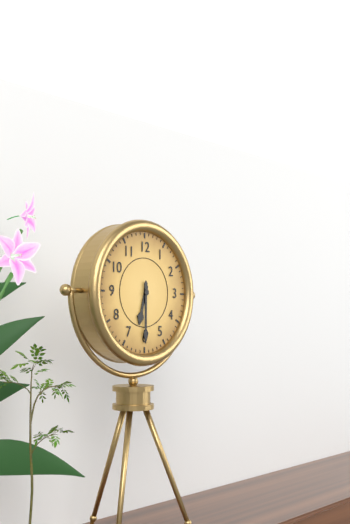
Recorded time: **6:30**
